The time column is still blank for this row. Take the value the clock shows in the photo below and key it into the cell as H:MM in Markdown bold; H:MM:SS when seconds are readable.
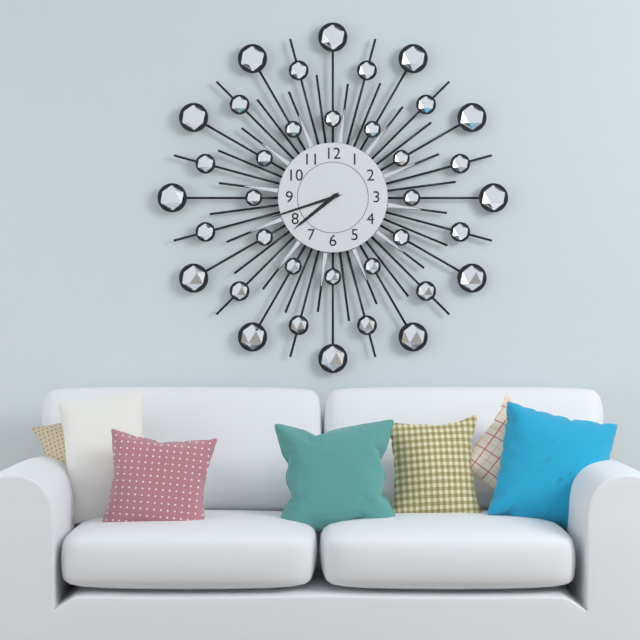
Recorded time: **7:42**
